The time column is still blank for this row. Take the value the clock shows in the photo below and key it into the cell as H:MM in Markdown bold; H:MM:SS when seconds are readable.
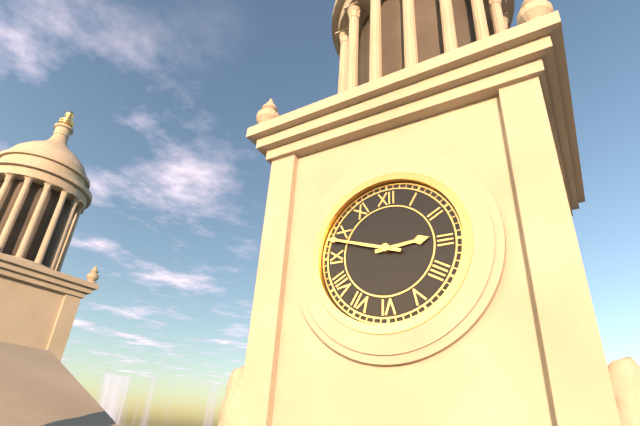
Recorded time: **2:48**
